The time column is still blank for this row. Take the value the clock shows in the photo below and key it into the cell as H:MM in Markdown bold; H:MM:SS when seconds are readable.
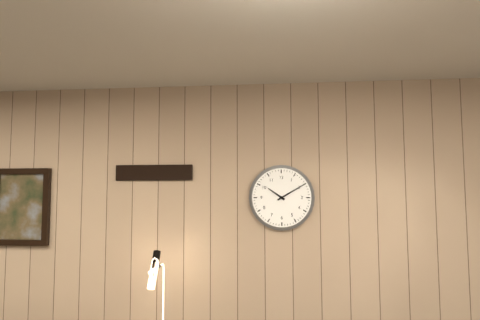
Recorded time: **10:10**
